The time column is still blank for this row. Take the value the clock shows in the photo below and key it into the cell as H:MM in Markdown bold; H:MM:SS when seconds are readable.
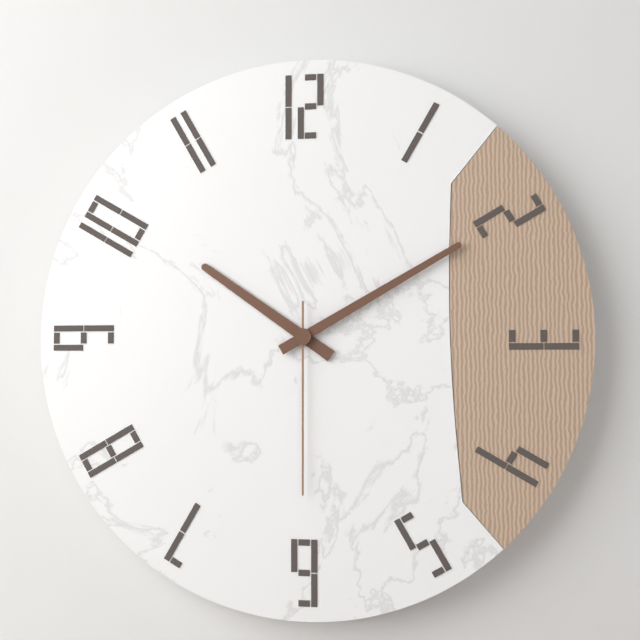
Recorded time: **10:10:30**
